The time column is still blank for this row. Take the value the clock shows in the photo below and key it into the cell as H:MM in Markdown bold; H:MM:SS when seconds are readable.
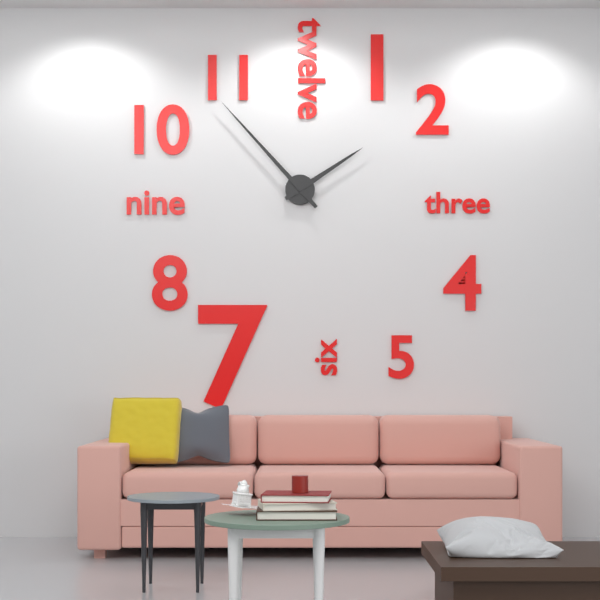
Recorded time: **1:53**
